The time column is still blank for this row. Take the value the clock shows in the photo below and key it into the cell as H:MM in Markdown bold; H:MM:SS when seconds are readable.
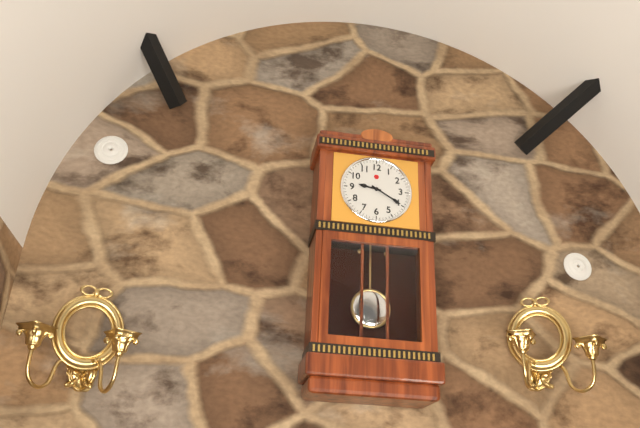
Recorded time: **9:20**
